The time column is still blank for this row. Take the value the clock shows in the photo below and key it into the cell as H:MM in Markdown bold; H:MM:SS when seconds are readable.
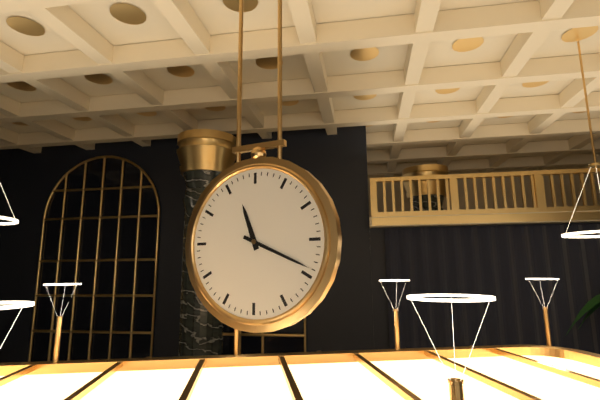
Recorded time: **11:19**
